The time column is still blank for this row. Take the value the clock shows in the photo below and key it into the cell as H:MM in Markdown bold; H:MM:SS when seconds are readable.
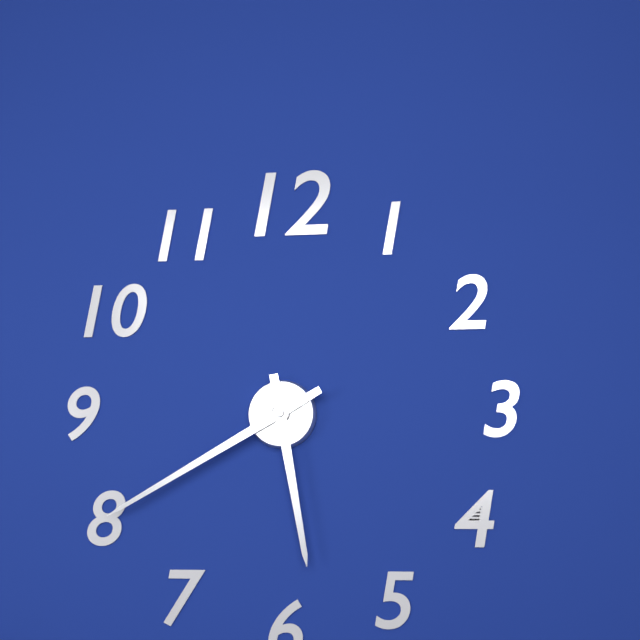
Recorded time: **5:40**
